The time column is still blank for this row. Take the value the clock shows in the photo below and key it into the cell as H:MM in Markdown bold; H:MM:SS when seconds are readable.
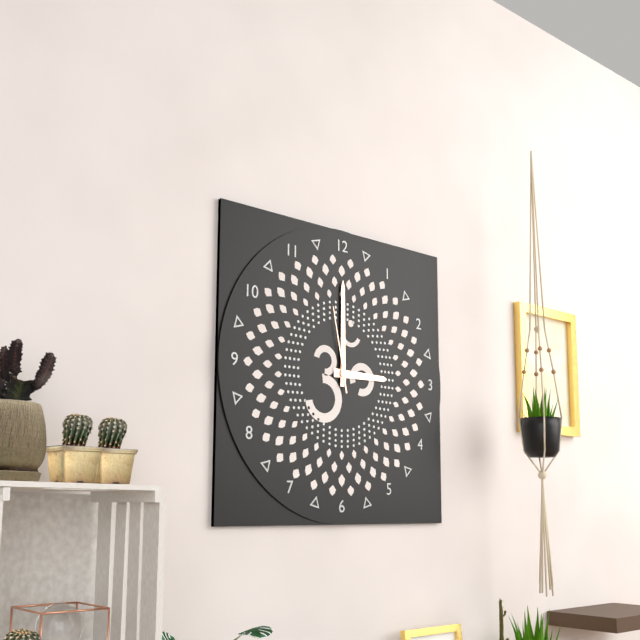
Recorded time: **3:00:58**
